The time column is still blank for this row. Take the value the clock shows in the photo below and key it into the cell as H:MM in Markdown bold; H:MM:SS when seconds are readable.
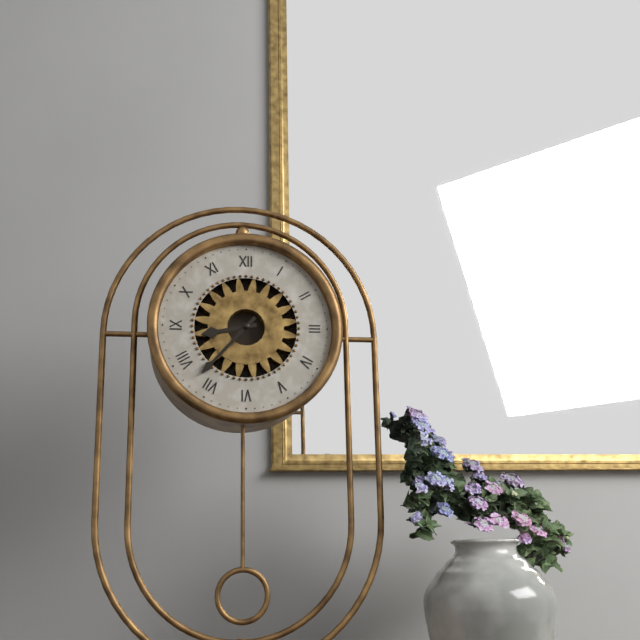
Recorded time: **8:37**
